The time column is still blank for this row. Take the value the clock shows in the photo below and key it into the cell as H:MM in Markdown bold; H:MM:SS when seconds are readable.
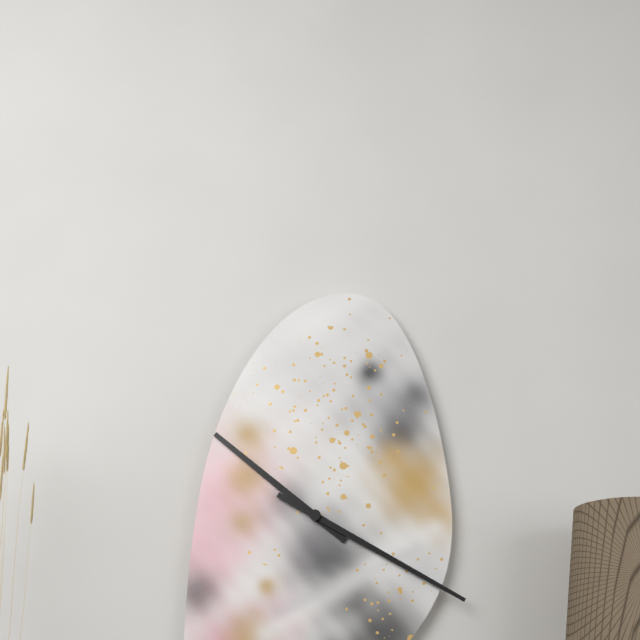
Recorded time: **10:20**
